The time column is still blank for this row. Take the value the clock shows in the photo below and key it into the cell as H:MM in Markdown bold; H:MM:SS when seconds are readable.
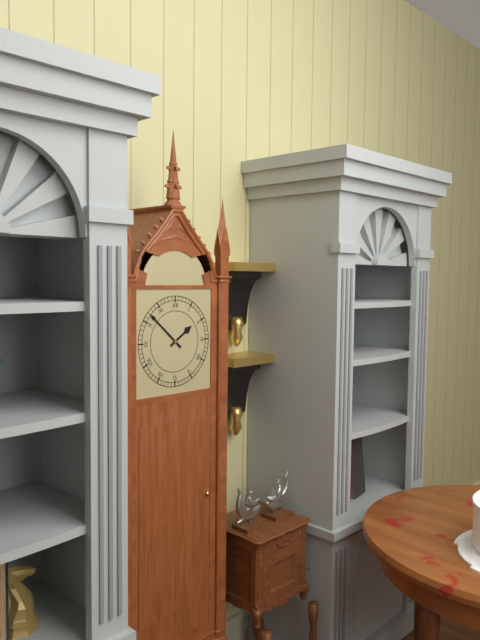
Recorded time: **1:52**
